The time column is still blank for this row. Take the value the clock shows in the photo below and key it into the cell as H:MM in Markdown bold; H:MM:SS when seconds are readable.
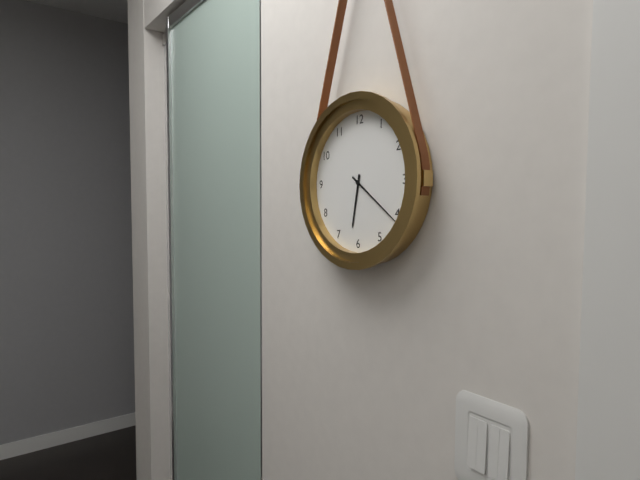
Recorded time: **6:21**
